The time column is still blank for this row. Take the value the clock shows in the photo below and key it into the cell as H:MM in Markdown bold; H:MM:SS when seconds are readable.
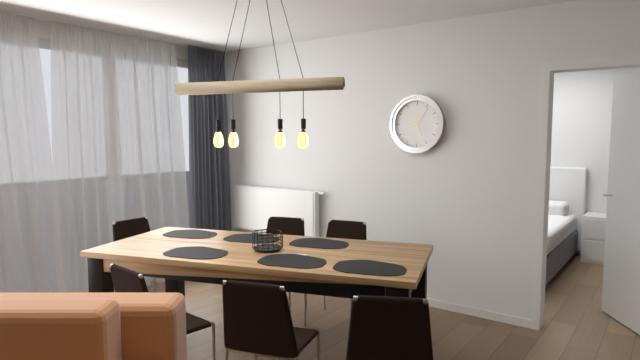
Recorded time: **5:06**
